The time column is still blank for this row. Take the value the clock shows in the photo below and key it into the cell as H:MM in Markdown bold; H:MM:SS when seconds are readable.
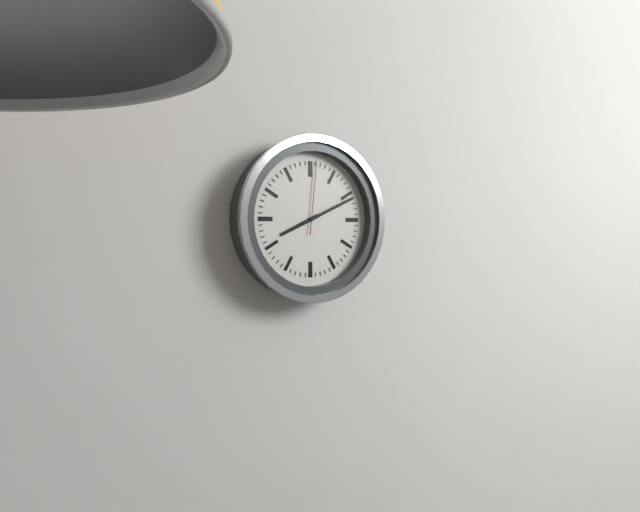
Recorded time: **8:11:01**
